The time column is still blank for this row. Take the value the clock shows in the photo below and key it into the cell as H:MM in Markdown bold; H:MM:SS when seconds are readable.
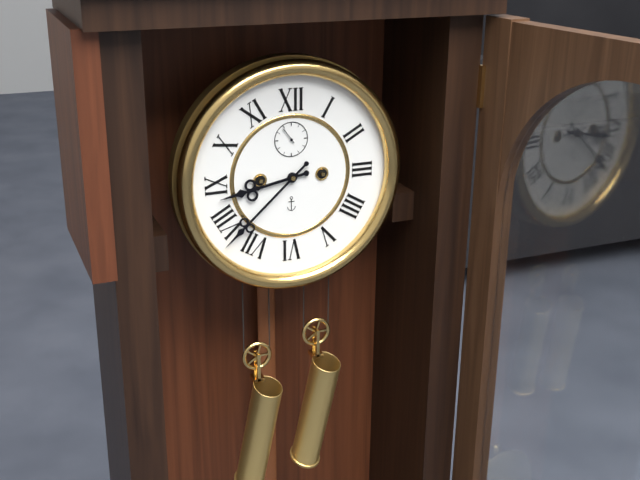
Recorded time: **8:38**
